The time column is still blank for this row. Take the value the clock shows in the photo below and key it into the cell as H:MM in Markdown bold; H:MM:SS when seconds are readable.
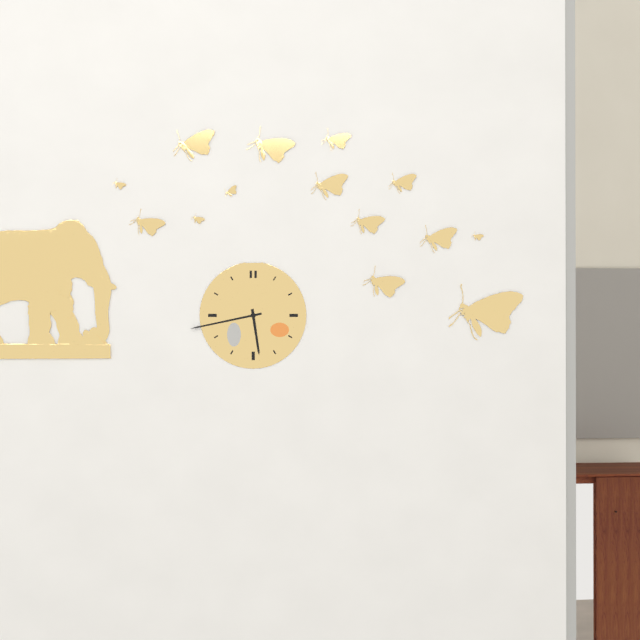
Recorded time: **5:43**
